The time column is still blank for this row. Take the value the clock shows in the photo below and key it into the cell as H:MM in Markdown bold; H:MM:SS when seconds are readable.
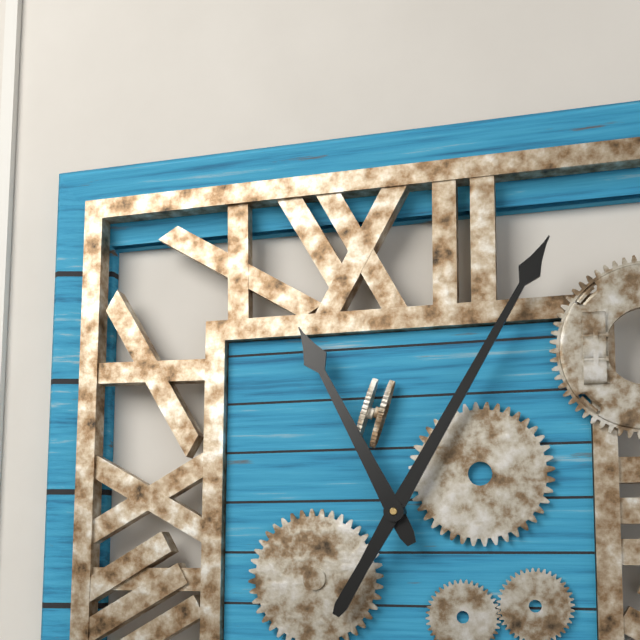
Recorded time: **11:05**
